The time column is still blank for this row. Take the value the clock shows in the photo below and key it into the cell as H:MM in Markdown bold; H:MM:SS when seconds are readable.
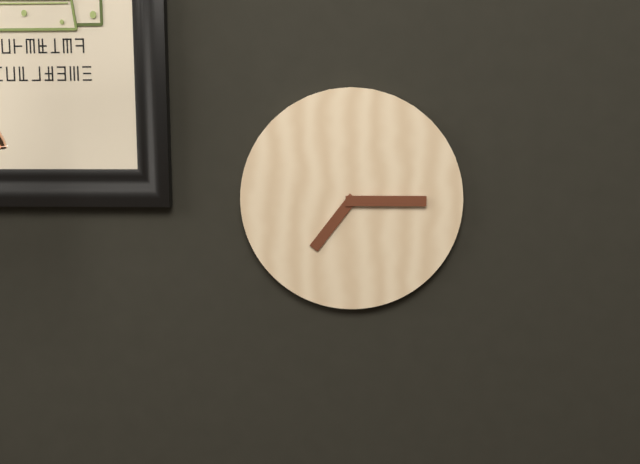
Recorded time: **7:15**
